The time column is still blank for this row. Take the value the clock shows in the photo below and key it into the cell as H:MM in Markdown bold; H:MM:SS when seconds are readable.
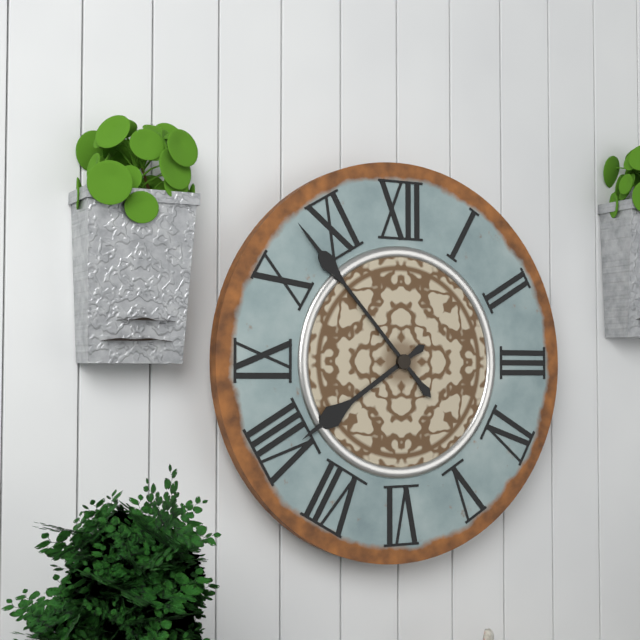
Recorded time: **7:53**
